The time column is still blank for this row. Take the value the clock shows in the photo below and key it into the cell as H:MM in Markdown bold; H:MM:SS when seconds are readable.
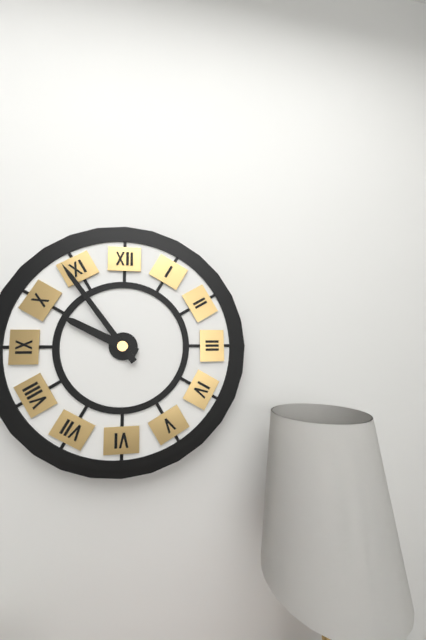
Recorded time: **9:54**
